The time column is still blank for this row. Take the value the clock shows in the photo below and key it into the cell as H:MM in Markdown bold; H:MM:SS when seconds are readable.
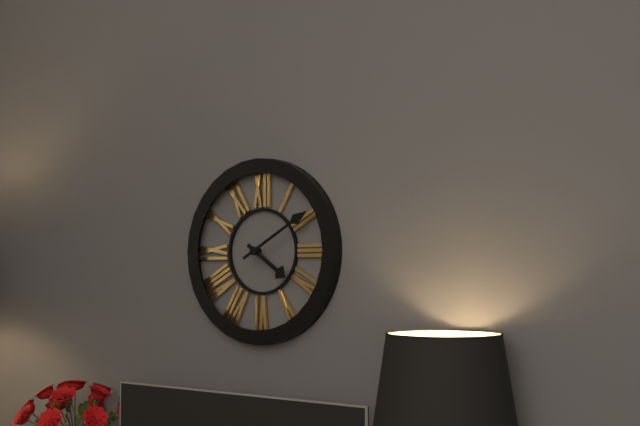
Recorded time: **4:10**
